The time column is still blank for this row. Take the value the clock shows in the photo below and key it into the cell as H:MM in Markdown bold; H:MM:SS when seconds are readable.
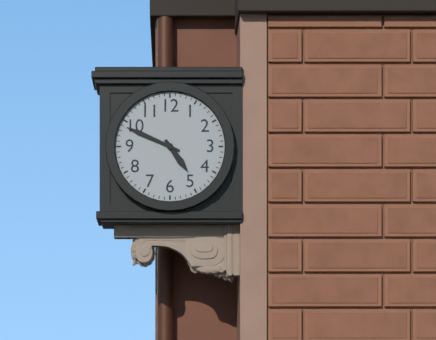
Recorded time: **4:49**
